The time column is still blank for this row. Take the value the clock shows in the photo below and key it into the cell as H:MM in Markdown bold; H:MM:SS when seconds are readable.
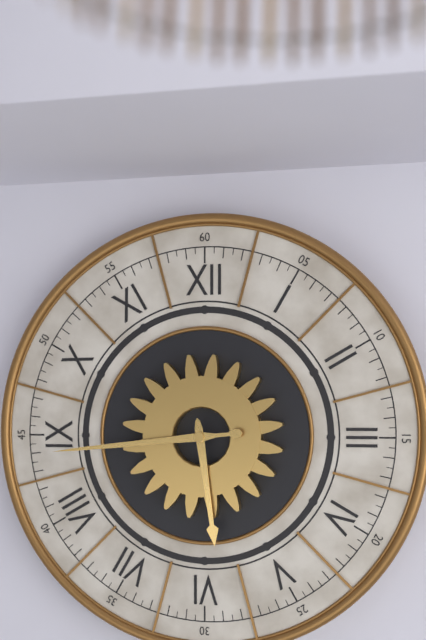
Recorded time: **5:44**
